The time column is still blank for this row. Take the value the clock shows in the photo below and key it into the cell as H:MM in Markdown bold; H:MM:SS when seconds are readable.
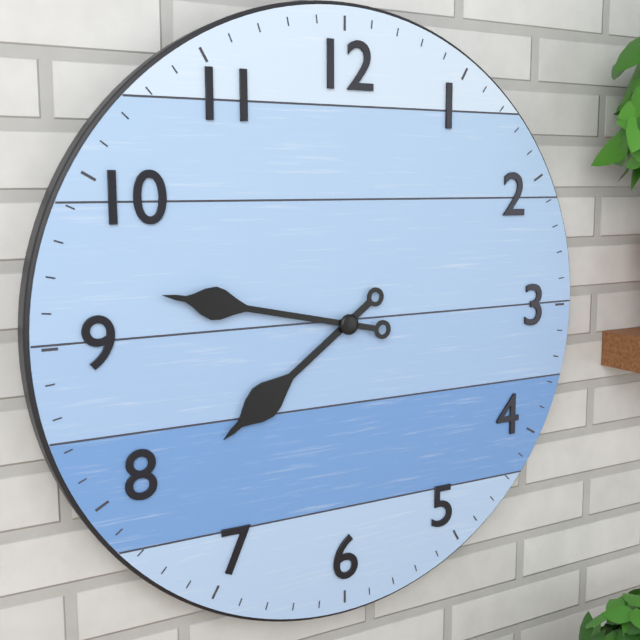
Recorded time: **7:47**
